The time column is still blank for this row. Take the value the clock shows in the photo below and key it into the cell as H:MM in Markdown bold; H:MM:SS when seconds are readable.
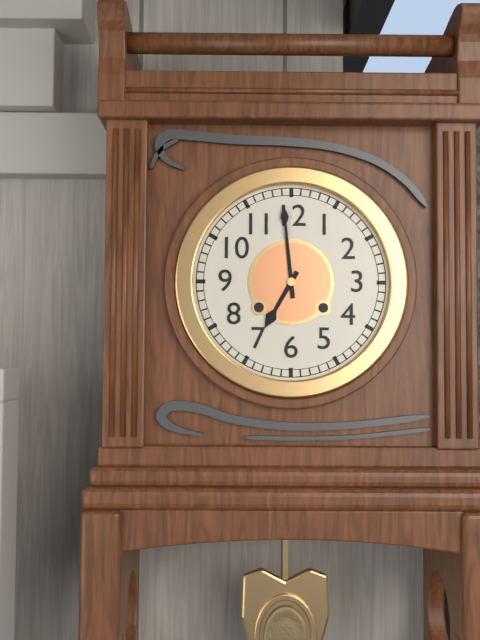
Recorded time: **6:59**
